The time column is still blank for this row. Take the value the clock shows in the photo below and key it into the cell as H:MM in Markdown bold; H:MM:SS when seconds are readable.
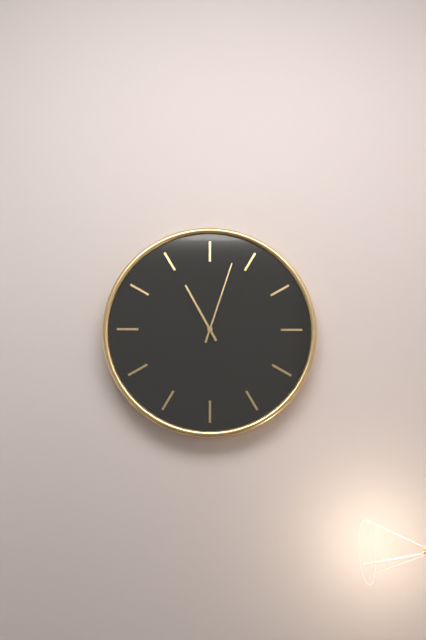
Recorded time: **11:03**
